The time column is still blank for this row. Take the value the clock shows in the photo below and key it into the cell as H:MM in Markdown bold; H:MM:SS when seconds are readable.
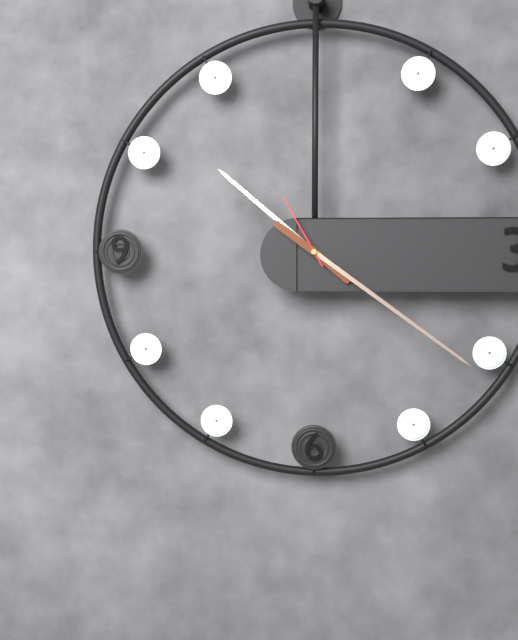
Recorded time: **10:21:55**
